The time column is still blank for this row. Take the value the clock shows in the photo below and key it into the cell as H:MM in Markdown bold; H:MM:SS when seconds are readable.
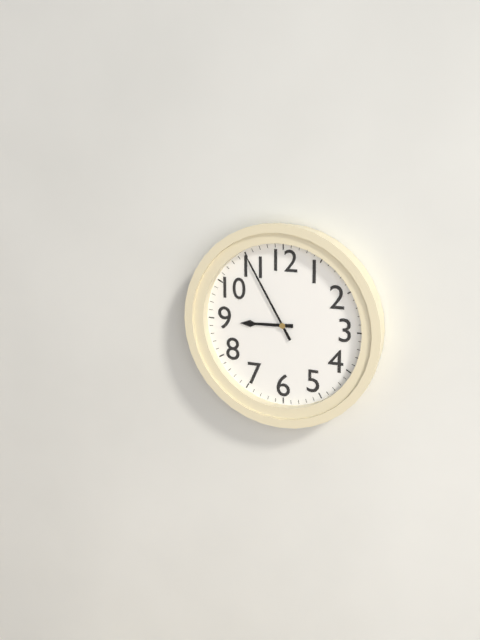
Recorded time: **8:55**
